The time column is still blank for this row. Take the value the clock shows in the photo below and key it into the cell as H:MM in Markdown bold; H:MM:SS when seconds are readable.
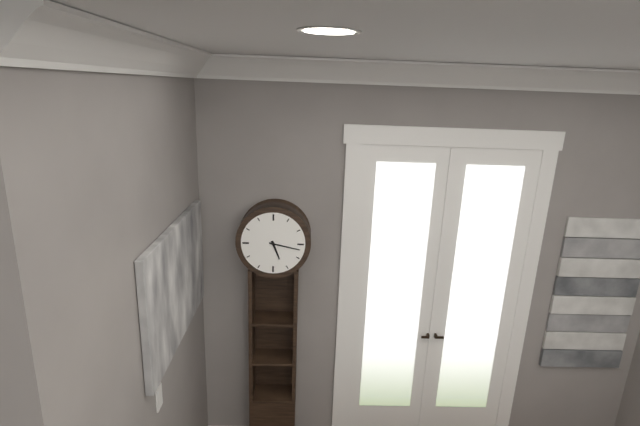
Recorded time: **5:17**
